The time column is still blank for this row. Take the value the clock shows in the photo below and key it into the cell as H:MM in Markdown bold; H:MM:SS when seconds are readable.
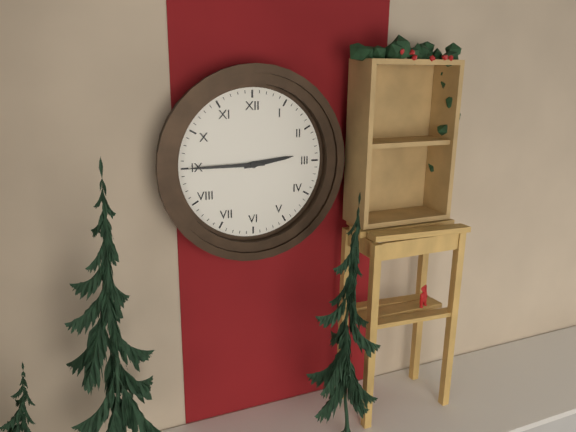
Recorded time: **2:45**
